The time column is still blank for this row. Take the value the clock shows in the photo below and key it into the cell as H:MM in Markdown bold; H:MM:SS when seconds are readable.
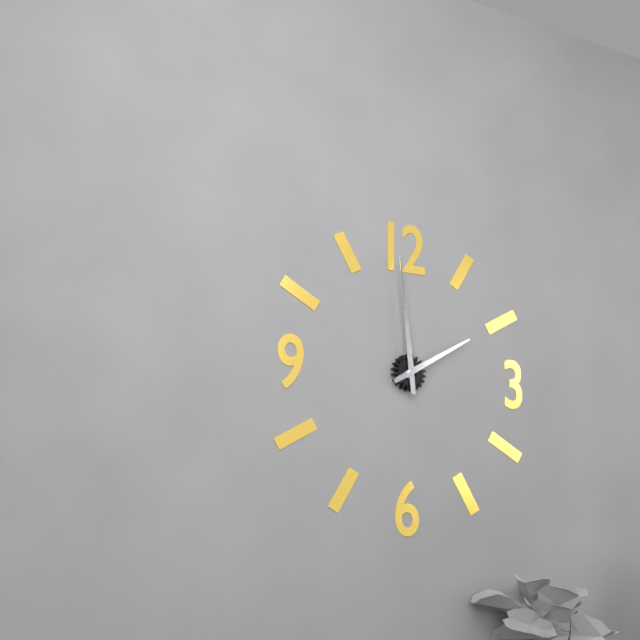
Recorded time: **1:59**
